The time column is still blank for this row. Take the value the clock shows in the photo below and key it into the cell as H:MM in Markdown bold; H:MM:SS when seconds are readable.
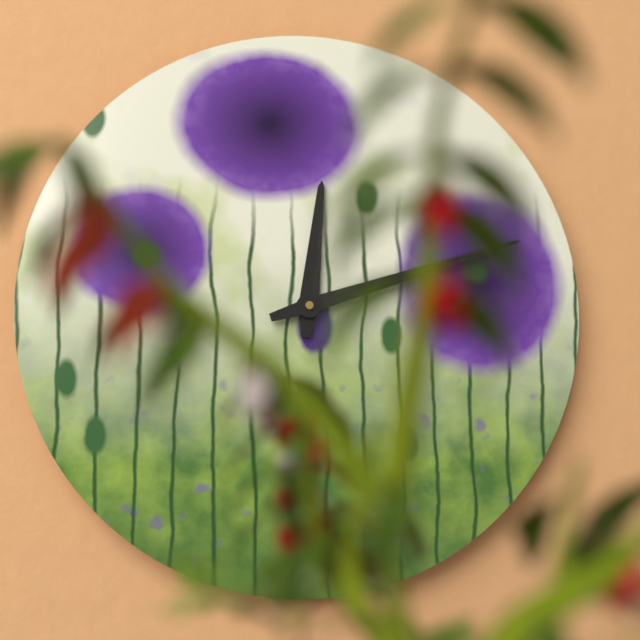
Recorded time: **12:12**
